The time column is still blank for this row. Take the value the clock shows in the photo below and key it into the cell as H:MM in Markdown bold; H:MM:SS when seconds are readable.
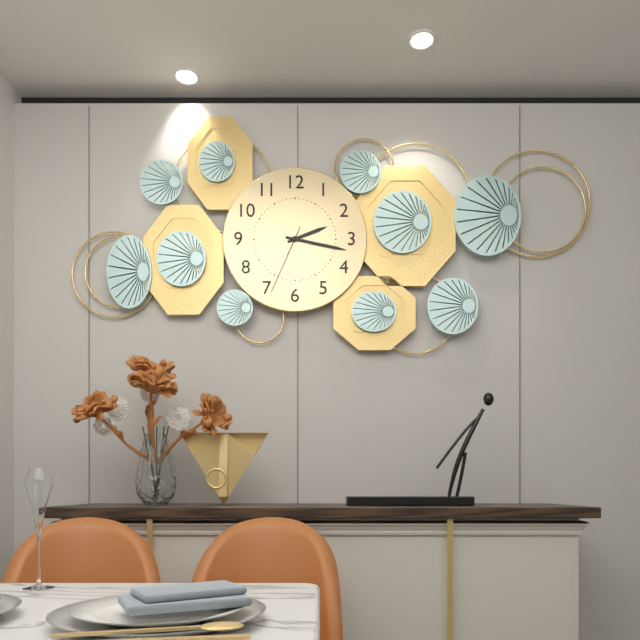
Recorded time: **2:17:34**
